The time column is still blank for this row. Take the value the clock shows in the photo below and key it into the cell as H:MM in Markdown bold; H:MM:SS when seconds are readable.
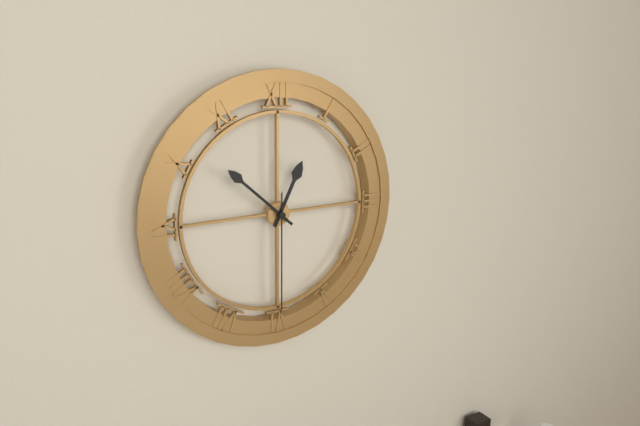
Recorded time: **12:52:30**
